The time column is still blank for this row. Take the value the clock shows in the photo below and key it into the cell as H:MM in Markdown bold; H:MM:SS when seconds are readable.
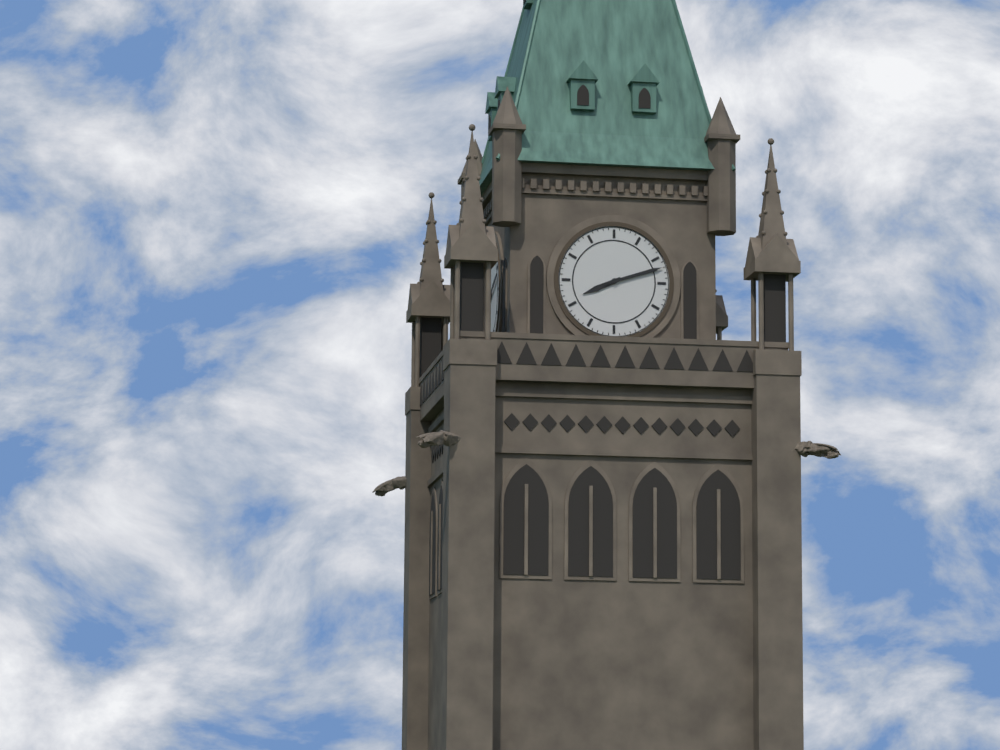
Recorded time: **8:12**
